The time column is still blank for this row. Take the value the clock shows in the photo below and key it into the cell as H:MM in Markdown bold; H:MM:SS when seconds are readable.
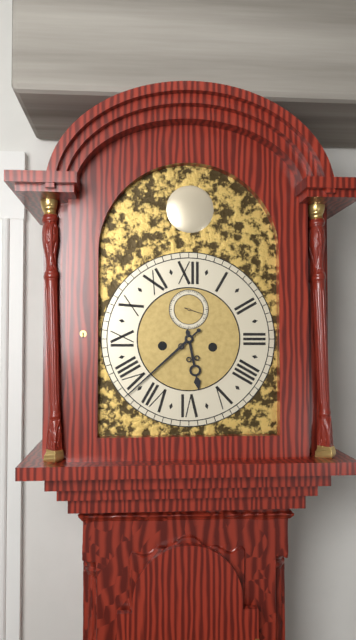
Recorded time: **5:38**
